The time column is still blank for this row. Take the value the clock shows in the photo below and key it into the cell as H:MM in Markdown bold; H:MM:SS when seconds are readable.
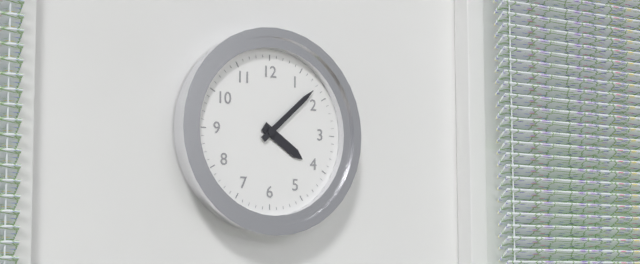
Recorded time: **4:08**
